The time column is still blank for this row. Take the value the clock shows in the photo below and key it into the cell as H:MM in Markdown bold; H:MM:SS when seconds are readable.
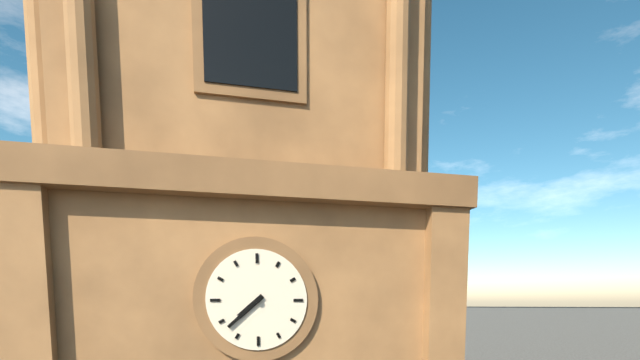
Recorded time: **7:38**
